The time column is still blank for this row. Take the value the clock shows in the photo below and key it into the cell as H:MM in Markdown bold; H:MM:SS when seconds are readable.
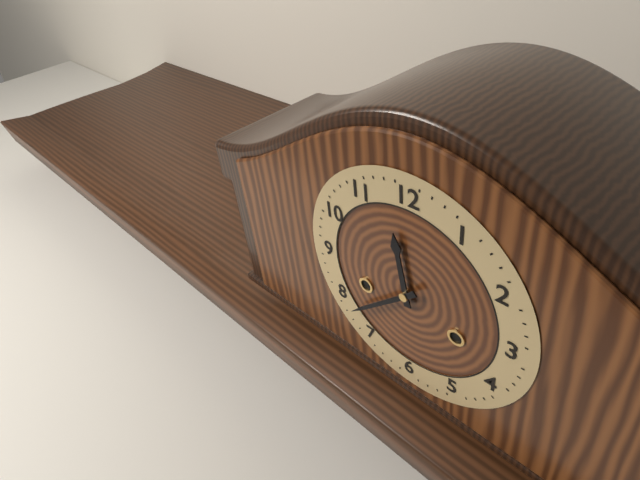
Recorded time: **11:38**
